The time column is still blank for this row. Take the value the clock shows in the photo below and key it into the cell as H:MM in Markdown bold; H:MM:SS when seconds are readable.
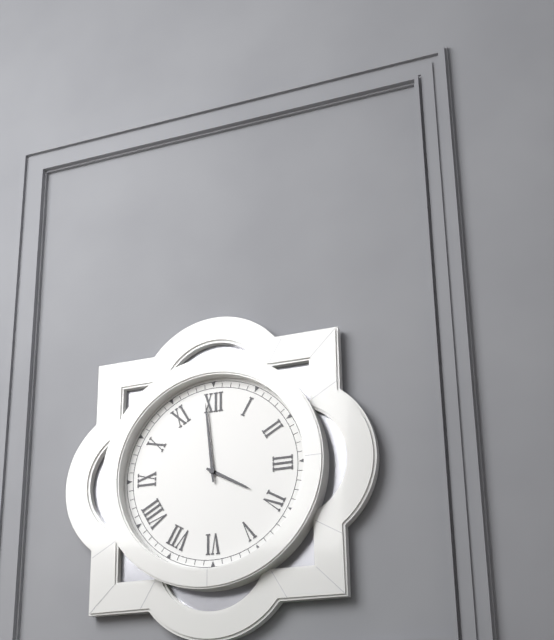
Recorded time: **3:59**
